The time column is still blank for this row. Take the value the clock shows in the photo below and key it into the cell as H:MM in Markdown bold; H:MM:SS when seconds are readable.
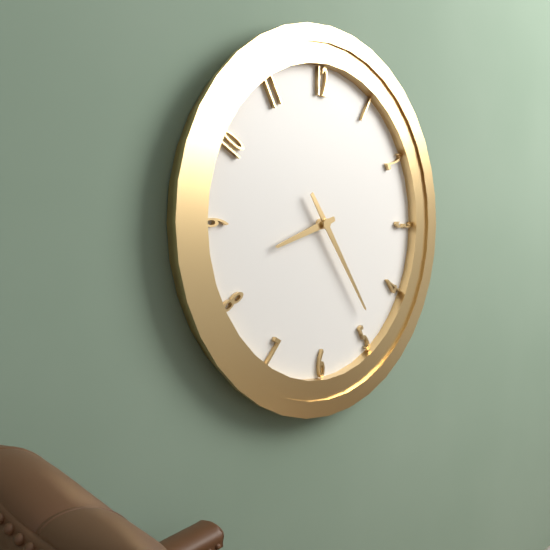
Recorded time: **8:24**
